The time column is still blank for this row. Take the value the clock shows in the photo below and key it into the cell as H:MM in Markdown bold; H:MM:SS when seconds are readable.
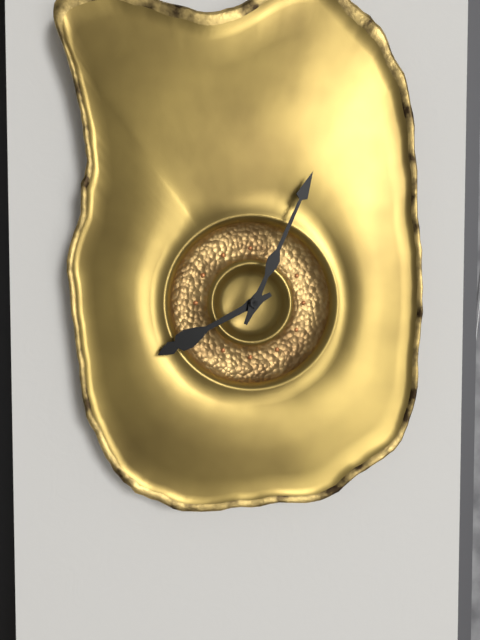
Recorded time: **8:04**
